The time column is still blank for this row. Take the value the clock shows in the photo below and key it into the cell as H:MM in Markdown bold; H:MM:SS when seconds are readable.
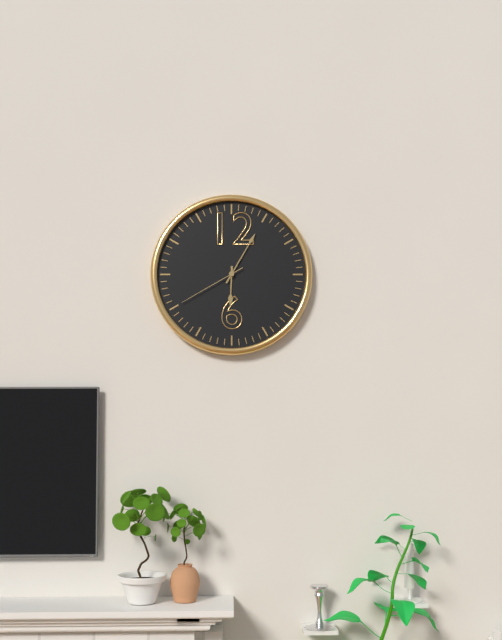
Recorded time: **6:05:40**
